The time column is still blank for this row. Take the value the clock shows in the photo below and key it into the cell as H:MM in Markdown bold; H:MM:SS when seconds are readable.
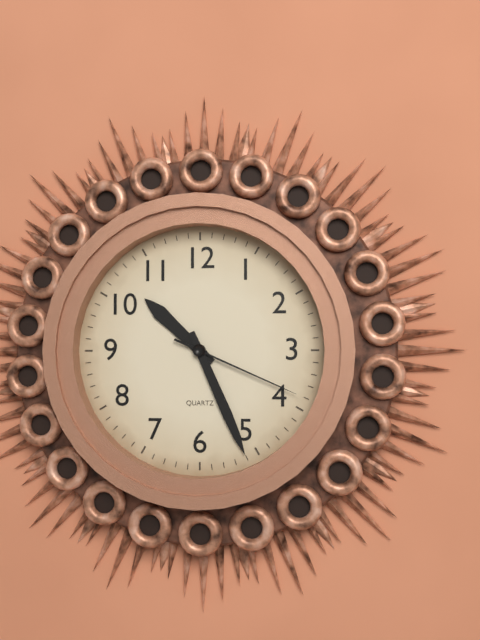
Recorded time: **10:26:19**
